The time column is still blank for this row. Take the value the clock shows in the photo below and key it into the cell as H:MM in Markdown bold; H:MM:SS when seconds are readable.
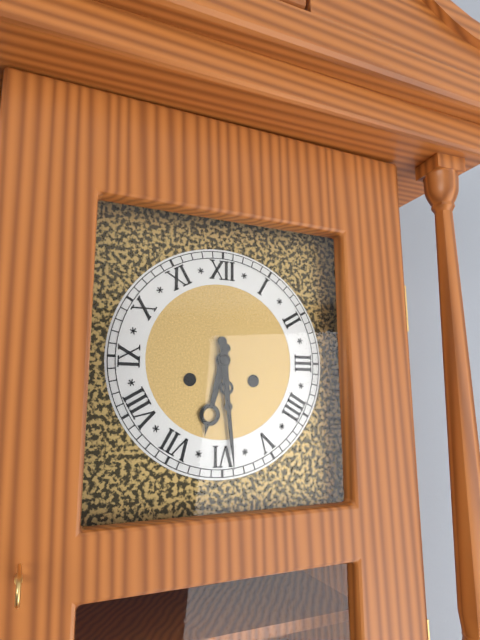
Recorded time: **6:29**
